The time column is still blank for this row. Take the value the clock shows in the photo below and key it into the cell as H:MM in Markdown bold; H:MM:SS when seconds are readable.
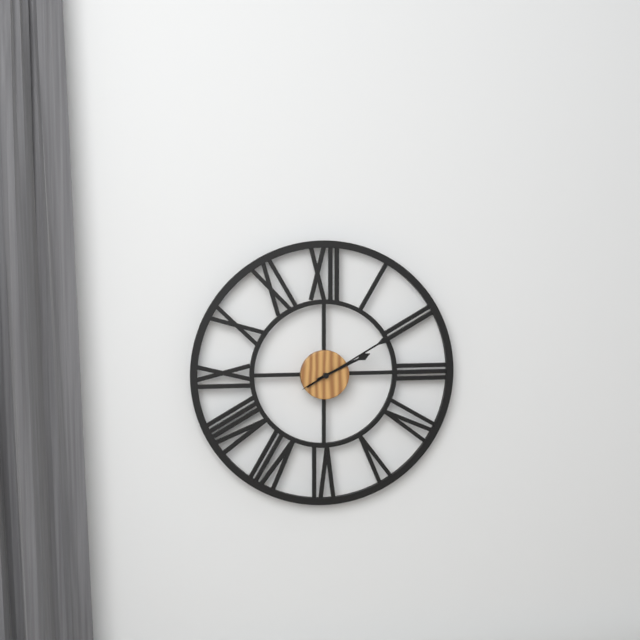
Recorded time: **2:10**
